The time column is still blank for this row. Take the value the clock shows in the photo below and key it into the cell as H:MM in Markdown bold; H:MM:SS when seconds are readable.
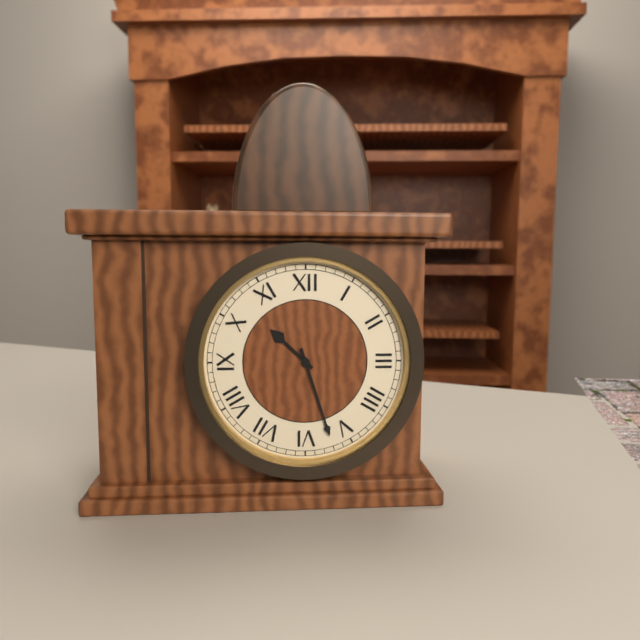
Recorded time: **10:27**
